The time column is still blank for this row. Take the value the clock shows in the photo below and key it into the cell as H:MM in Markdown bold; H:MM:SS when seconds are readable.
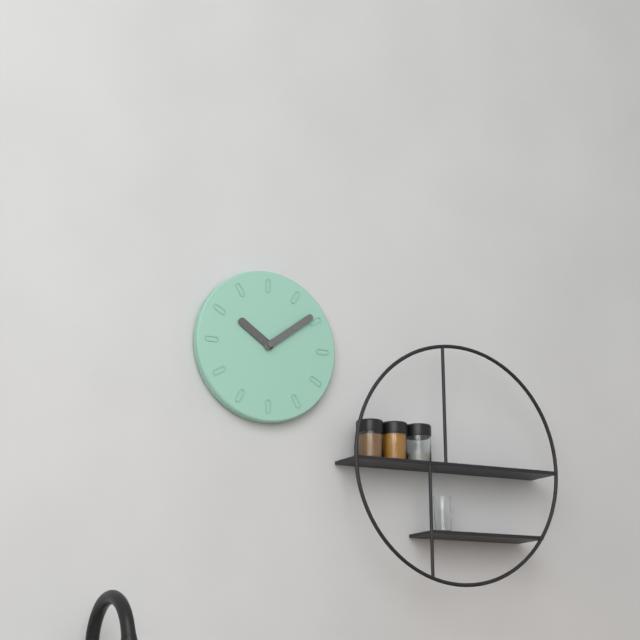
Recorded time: **10:09**
